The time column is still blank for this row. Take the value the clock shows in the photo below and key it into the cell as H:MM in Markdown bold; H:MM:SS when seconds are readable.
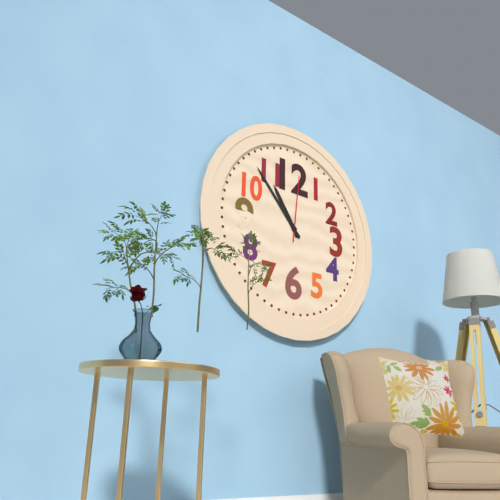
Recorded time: **10:53:01**
